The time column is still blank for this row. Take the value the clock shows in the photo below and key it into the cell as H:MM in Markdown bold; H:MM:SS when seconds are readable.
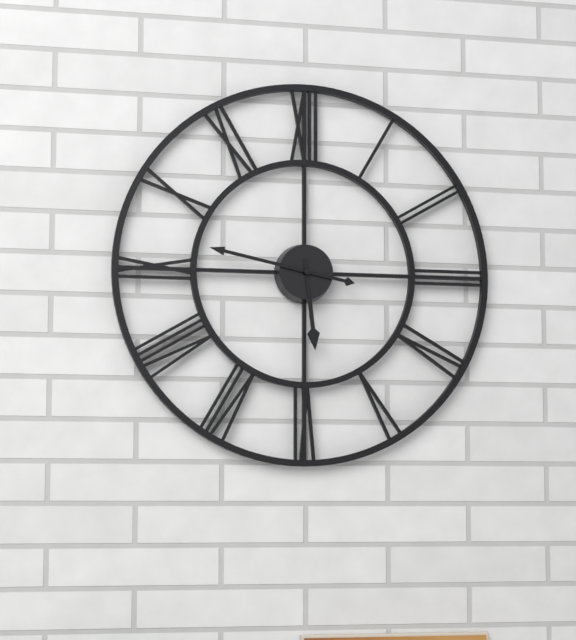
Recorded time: **5:47**
